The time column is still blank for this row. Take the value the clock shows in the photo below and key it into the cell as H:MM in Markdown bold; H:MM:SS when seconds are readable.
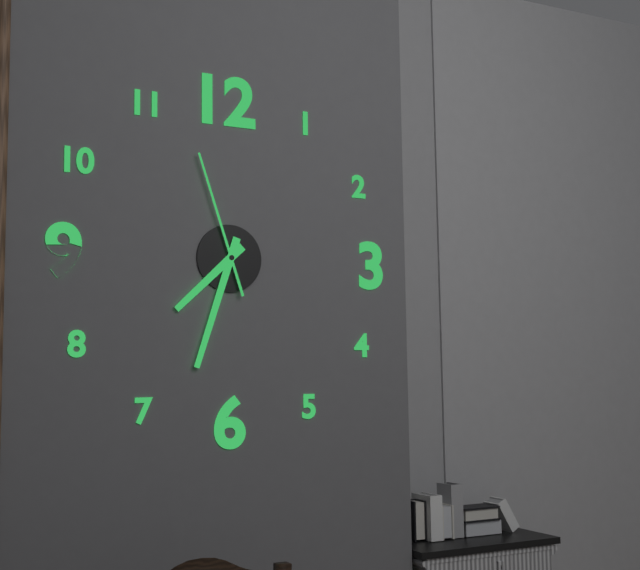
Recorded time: **7:33:57**
